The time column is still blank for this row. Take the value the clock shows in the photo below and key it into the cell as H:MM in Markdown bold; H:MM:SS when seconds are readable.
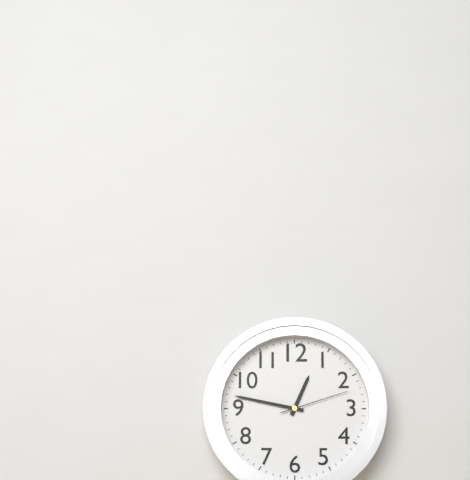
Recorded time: **12:47:12**
